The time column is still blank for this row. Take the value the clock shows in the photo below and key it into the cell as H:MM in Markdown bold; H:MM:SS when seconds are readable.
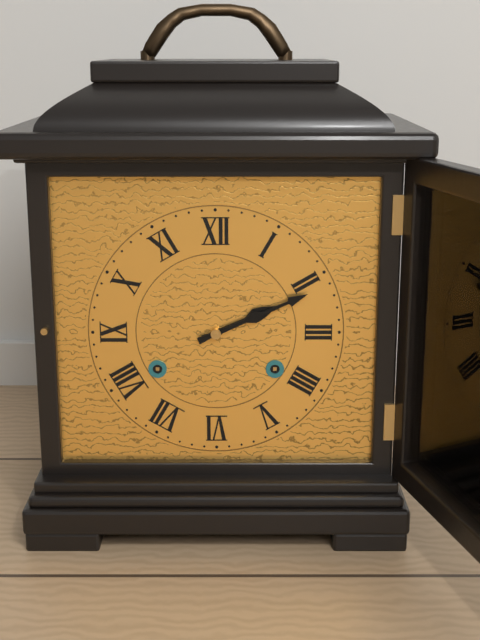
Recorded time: **2:11**
